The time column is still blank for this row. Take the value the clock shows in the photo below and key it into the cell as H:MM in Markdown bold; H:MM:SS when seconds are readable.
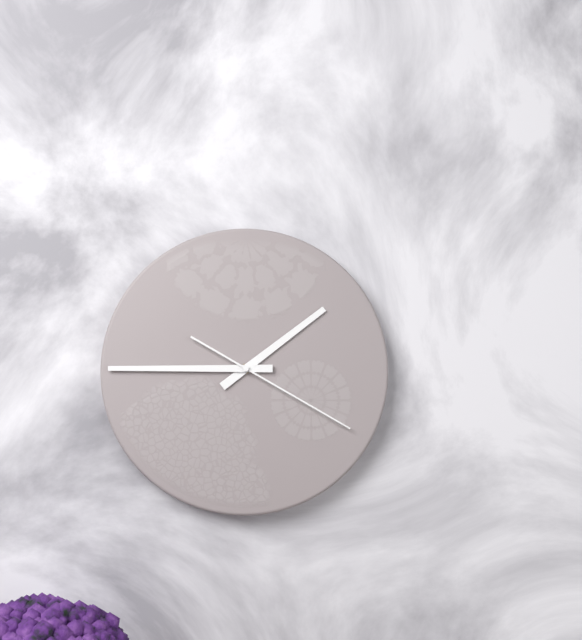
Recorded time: **1:45:20**
